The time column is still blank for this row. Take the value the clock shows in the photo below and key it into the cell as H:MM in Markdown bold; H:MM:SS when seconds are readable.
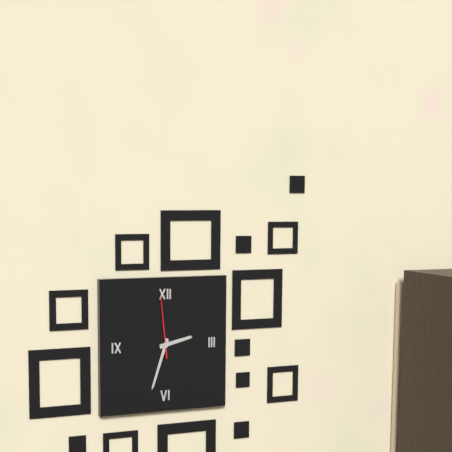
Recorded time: **2:33:59**
